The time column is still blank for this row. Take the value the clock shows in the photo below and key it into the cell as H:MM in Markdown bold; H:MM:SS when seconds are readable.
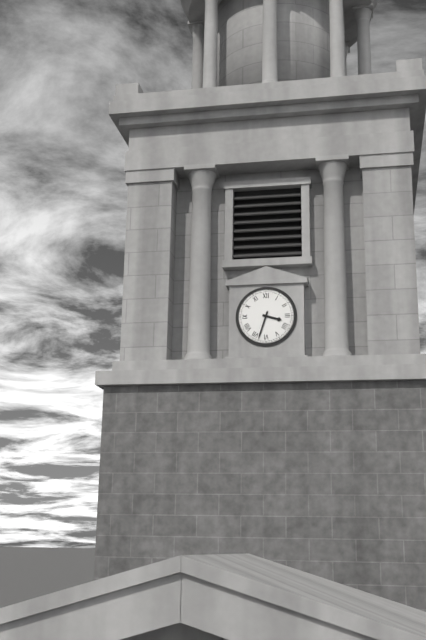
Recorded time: **3:33**
